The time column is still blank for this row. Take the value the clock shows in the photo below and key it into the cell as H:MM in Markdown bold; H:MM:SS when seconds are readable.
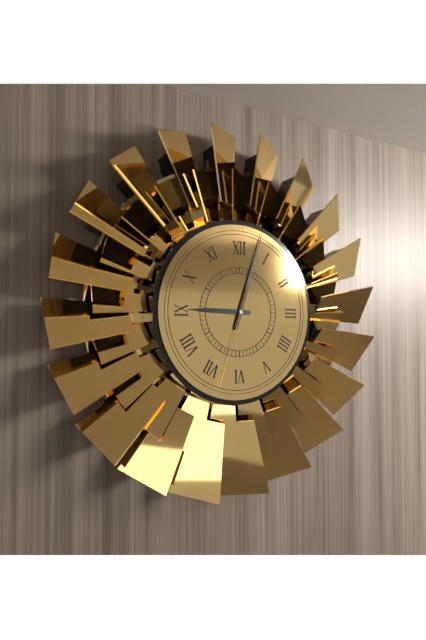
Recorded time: **9:03:33**
